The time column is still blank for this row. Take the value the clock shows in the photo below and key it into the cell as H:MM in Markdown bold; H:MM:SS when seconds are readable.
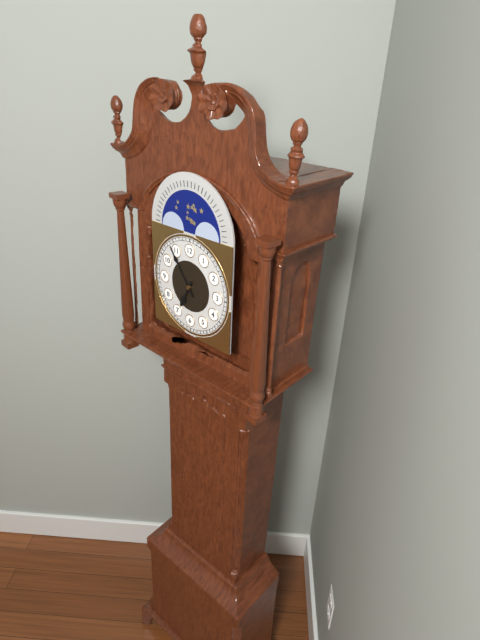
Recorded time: **6:54**
